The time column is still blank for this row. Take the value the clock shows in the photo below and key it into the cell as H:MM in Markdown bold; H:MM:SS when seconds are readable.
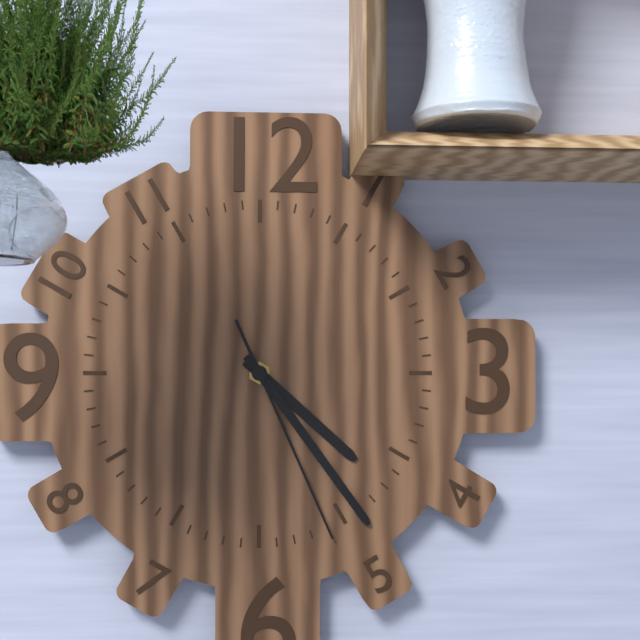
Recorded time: **4:24:26**
